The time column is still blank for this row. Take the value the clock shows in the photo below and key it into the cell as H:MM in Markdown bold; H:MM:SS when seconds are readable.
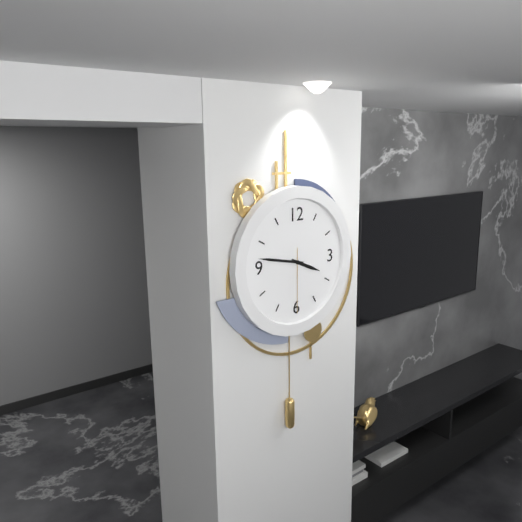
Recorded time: **3:47:30**
